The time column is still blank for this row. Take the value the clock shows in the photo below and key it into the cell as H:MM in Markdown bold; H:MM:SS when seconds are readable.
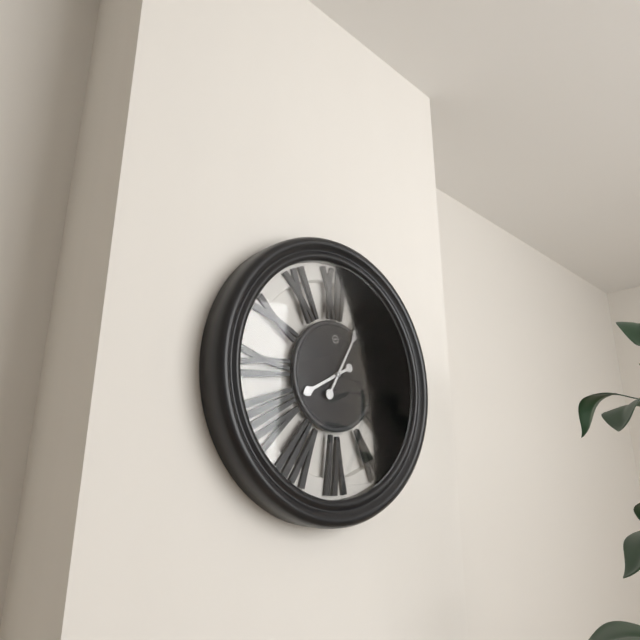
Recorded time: **8:05**
